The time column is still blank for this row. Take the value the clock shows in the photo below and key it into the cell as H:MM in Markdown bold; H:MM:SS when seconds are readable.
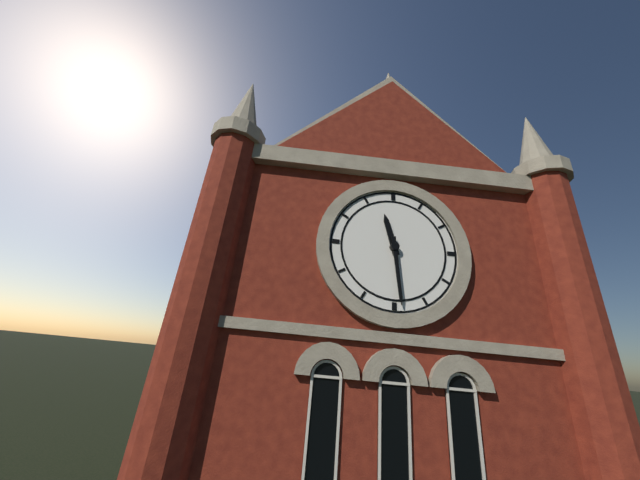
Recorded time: **11:29**
